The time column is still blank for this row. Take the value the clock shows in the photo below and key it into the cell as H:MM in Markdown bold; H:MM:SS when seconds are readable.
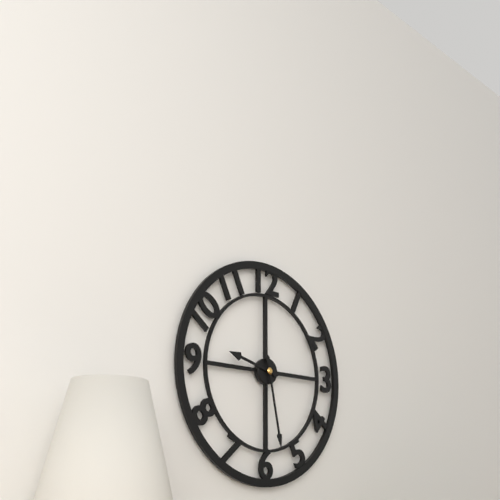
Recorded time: **9:28**
